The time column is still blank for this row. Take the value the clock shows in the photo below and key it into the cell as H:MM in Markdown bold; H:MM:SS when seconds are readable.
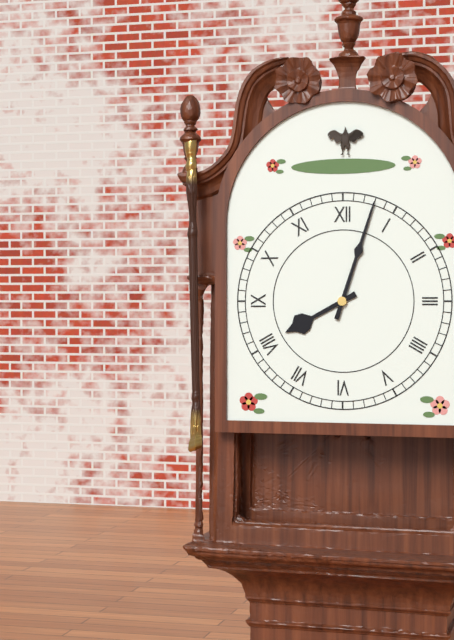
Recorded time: **8:03**
